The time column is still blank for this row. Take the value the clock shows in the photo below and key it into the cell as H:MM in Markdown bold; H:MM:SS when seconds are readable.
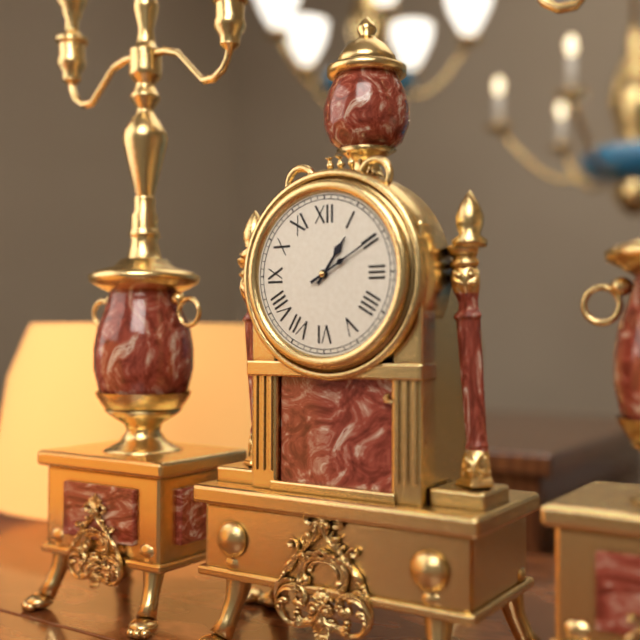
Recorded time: **1:10**
